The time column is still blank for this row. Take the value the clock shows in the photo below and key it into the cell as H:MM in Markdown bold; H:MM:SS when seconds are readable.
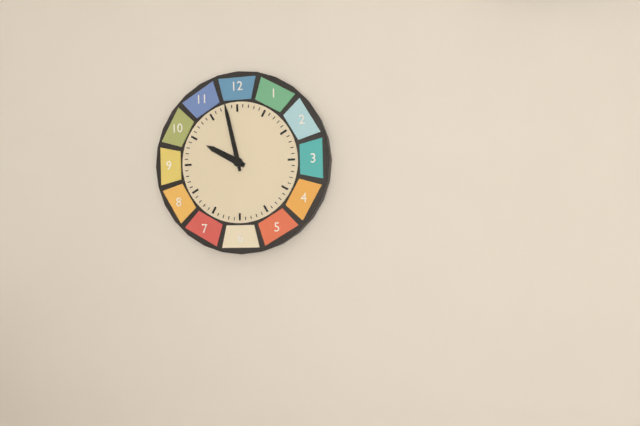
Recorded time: **9:58**
